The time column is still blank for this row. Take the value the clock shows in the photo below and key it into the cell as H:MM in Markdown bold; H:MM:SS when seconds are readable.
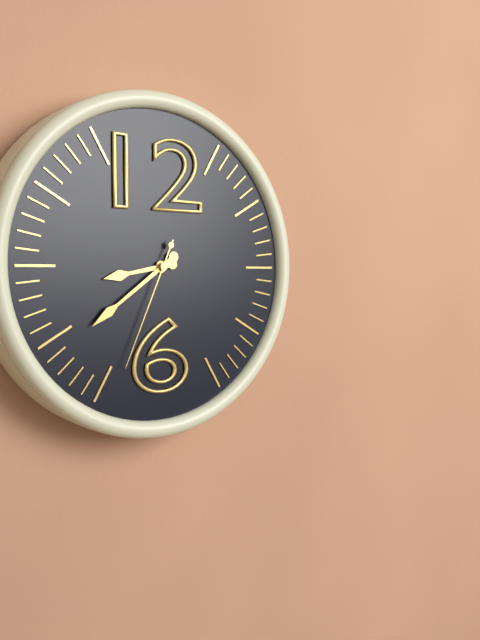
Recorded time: **8:39:34**
